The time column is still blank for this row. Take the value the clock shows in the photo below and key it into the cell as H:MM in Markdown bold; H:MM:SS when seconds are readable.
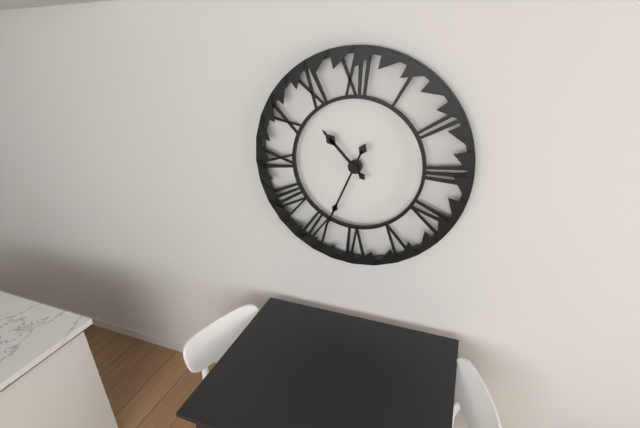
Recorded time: **10:34**
